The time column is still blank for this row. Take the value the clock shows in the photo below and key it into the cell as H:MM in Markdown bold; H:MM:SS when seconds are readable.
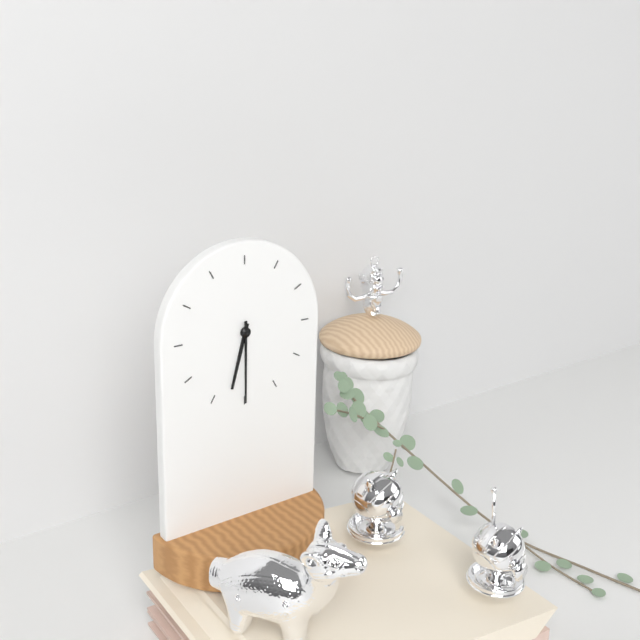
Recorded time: **6:30**
